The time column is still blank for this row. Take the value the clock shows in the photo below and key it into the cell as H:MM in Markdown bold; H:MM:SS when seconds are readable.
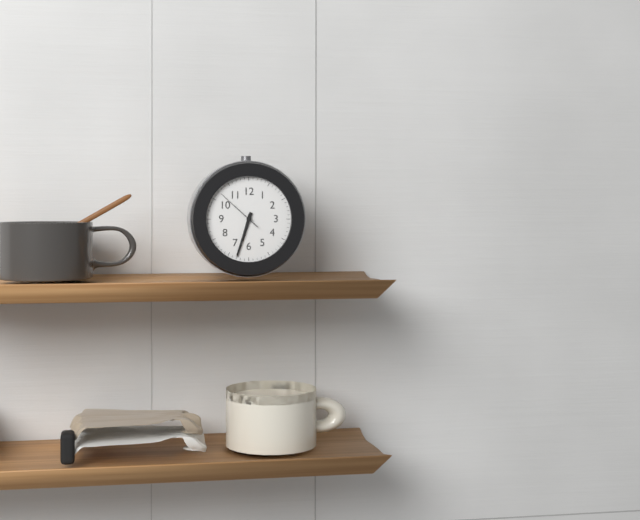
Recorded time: **6:33**
